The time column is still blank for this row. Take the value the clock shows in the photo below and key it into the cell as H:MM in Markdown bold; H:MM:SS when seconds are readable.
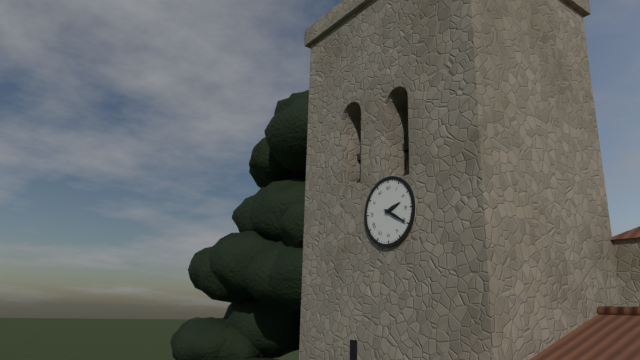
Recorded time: **2:20**
